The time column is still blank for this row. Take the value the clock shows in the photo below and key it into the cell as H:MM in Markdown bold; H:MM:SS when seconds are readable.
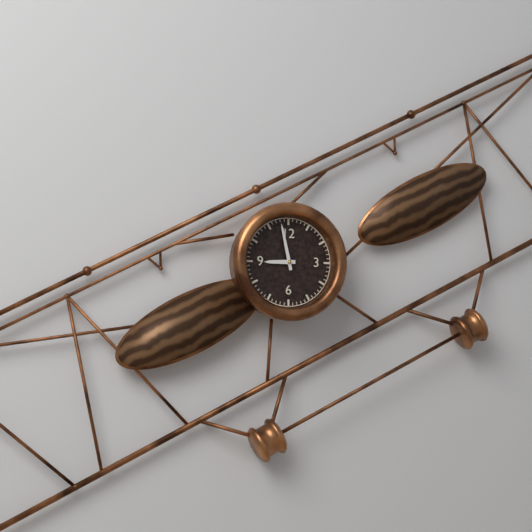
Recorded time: **8:58**
